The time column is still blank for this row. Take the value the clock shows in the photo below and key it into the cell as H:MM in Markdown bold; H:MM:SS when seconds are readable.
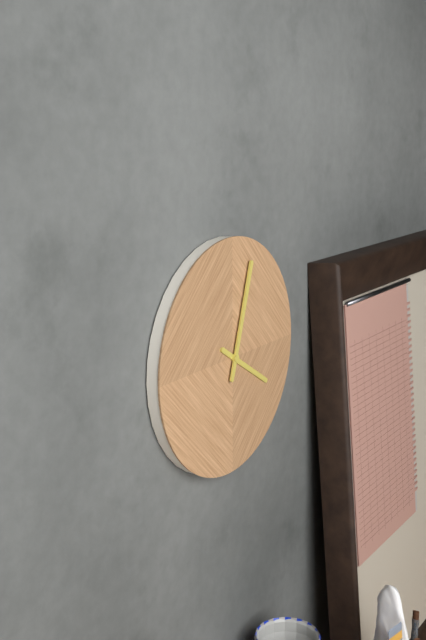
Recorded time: **4:03**
